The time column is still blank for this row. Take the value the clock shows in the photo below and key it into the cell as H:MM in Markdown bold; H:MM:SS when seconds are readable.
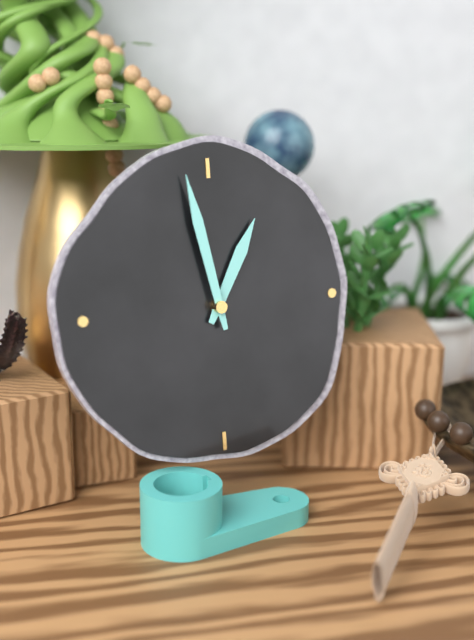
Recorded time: **12:58**
